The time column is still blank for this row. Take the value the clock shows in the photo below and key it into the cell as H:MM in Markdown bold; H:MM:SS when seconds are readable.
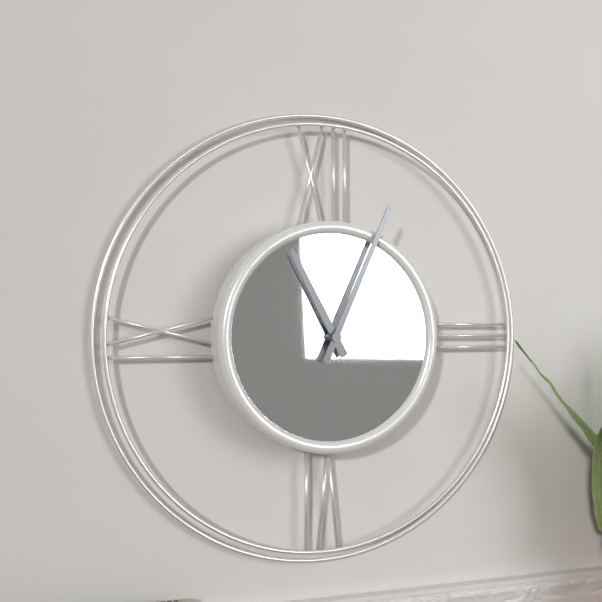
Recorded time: **11:04**
